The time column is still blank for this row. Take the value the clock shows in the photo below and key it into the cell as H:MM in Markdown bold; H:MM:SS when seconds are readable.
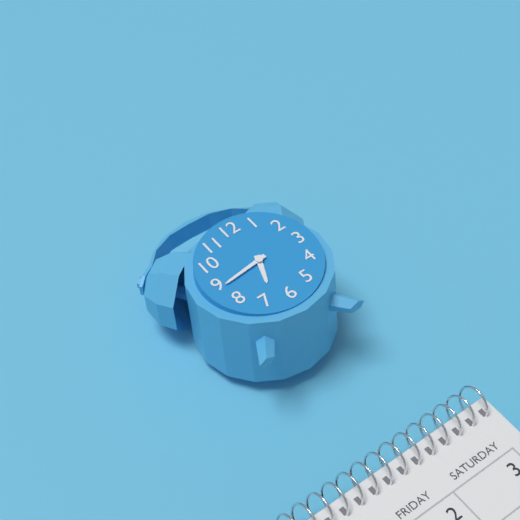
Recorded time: **6:44**
